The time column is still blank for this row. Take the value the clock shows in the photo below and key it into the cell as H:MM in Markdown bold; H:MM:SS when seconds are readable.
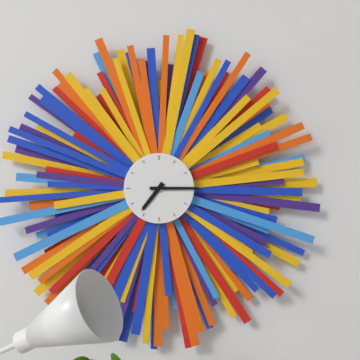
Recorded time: **7:15**
